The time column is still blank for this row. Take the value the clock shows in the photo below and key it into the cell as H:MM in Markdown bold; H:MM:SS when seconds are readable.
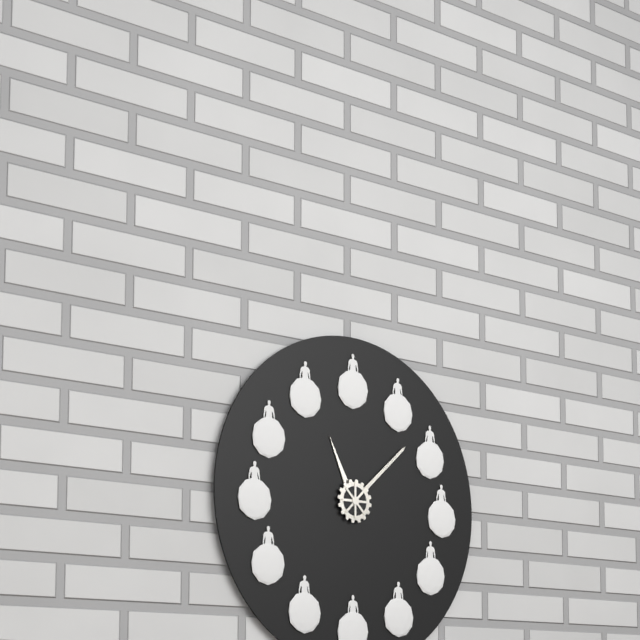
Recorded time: **11:08**
